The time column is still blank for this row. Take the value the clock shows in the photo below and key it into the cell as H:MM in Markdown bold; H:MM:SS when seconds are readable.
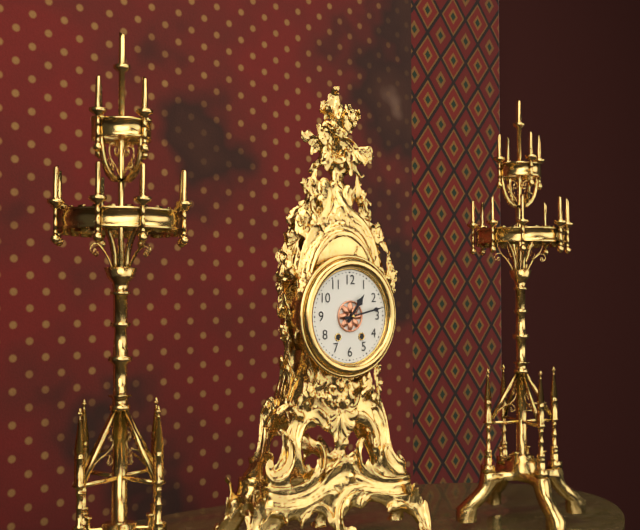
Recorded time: **1:13**
